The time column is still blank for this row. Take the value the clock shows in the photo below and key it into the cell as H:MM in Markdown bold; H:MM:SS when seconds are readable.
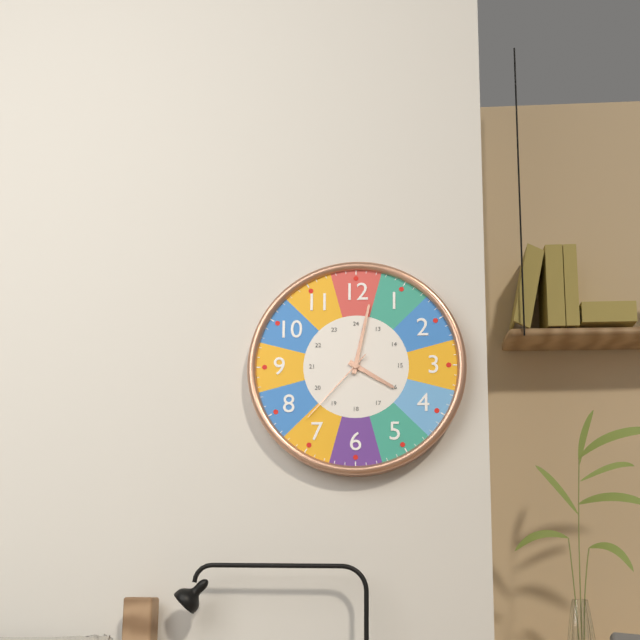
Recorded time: **4:02:37**
